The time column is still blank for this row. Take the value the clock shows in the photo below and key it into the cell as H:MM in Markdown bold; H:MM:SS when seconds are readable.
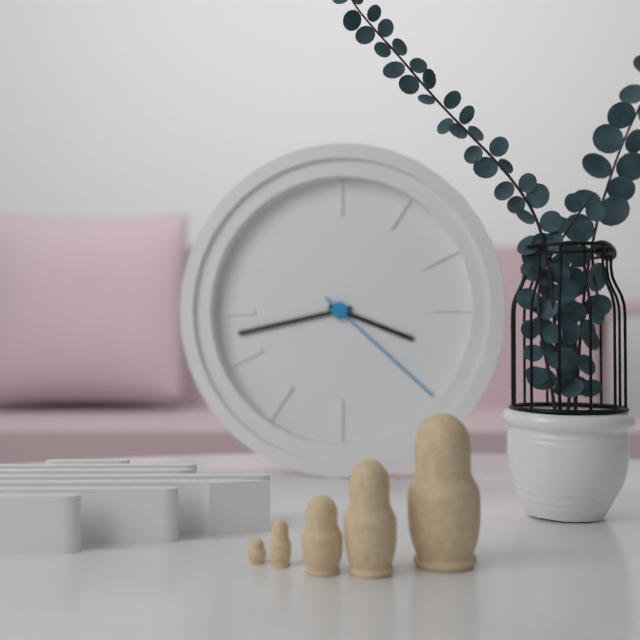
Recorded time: **3:43:22**
